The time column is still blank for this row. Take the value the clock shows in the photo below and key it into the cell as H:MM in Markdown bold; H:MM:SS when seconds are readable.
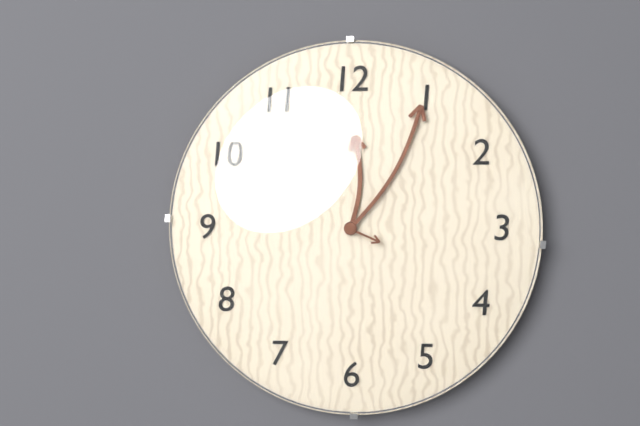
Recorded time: **12:05**
